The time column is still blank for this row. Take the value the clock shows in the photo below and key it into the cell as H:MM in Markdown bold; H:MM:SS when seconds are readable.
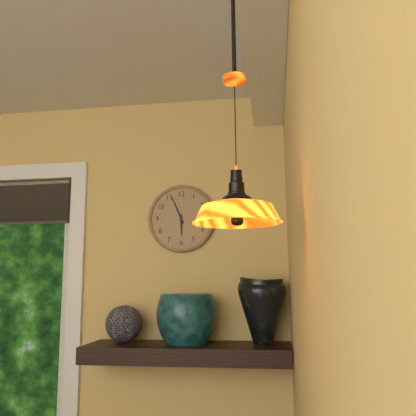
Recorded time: **5:56**
